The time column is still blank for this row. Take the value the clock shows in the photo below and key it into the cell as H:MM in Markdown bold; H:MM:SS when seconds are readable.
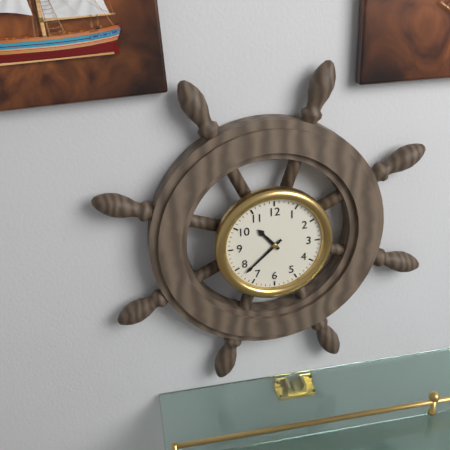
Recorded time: **10:38**
